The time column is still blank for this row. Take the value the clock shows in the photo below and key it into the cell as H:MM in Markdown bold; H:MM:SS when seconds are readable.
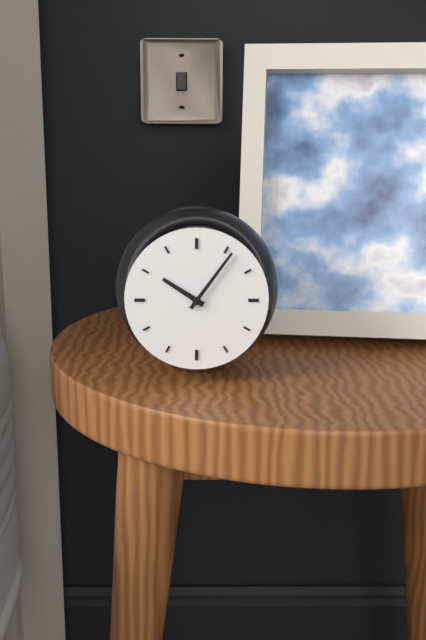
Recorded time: **10:06**
